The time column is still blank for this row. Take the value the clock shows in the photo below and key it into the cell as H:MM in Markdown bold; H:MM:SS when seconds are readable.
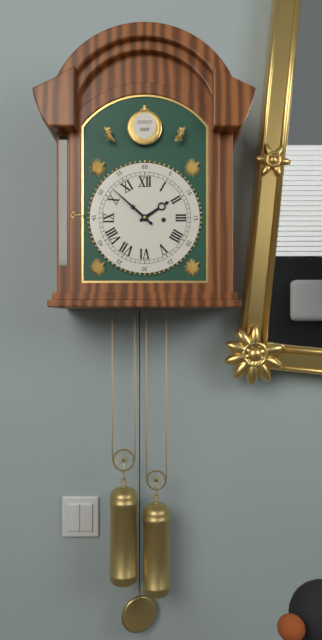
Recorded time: **1:52**
